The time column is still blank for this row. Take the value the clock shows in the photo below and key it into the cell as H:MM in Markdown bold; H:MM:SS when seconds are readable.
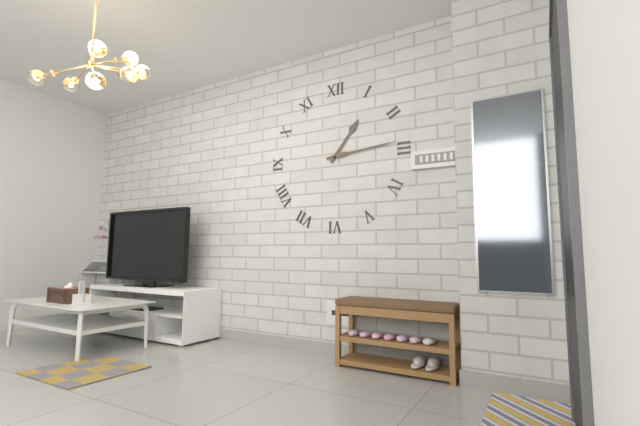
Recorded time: **1:14**
